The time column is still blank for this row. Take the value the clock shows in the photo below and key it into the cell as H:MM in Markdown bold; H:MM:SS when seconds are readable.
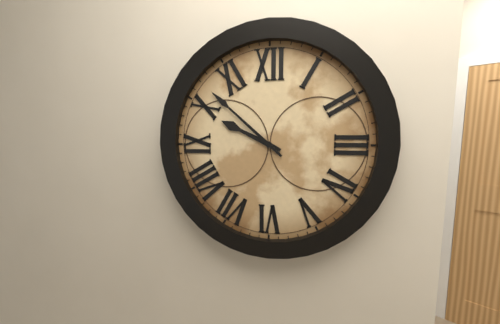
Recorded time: **9:52**
